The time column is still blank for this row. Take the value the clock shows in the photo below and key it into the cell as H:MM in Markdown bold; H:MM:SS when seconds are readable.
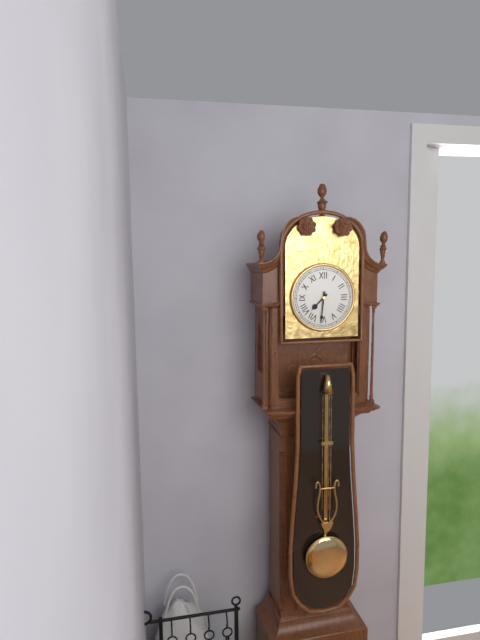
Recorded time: **7:31**
